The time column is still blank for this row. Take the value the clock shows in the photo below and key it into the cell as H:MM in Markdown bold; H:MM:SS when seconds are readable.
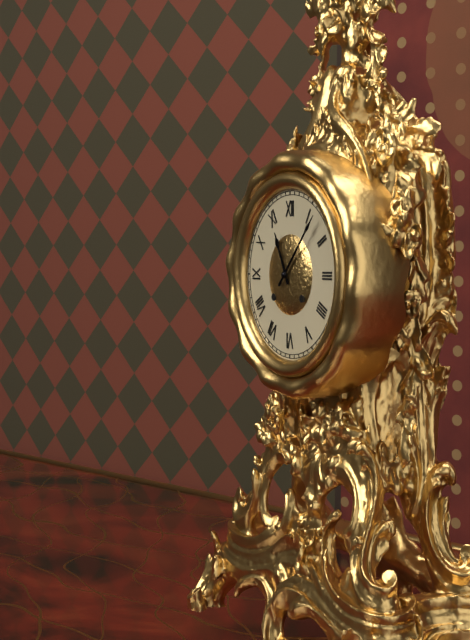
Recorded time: **11:07**
